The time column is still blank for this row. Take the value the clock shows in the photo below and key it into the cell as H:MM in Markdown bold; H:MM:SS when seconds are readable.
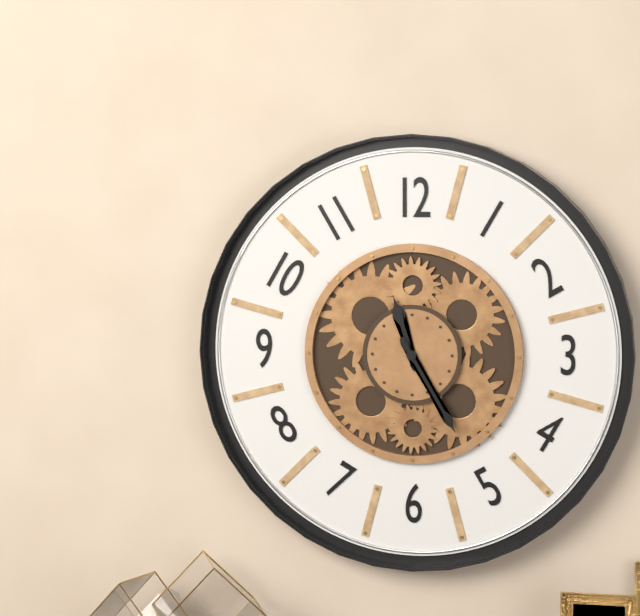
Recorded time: **11:25**
